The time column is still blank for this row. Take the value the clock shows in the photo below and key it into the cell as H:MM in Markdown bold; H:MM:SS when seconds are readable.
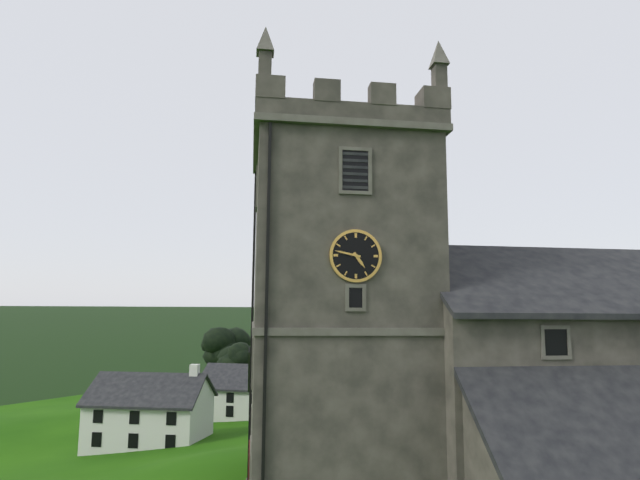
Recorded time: **4:47**
